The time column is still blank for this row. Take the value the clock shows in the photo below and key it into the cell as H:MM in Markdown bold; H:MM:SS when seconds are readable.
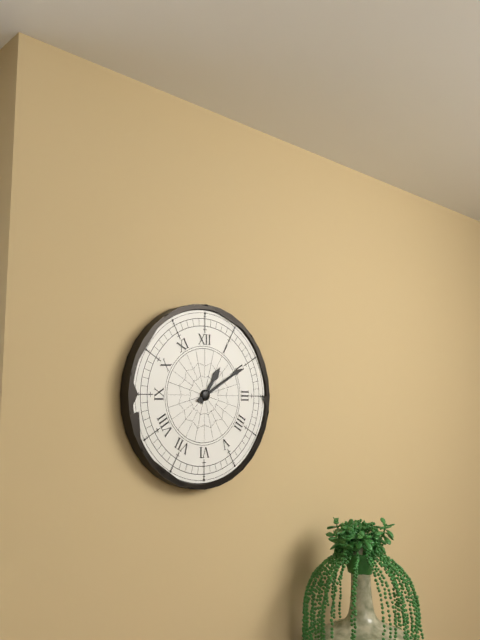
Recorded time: **1:10**
